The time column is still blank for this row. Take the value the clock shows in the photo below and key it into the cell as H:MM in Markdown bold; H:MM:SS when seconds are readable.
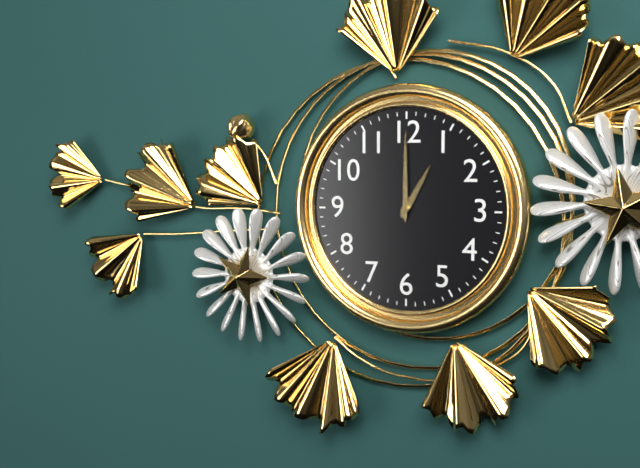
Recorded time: **1:00**
